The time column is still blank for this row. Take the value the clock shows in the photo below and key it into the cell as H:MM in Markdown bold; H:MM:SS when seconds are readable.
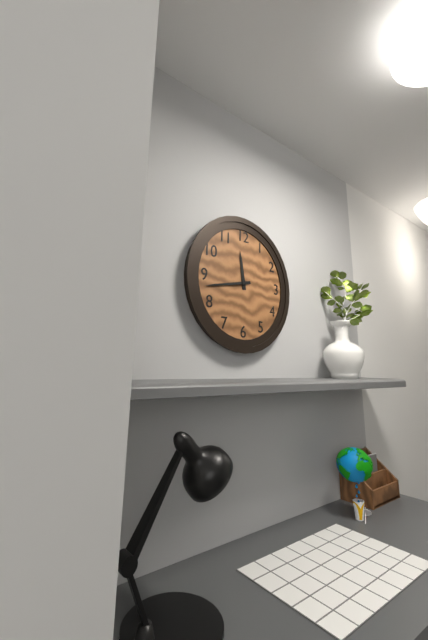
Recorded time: **11:43**
